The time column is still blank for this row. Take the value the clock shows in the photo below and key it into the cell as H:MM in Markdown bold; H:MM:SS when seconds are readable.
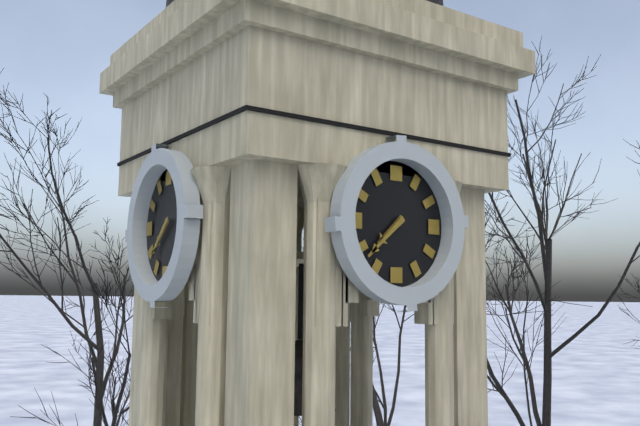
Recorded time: **7:38**
